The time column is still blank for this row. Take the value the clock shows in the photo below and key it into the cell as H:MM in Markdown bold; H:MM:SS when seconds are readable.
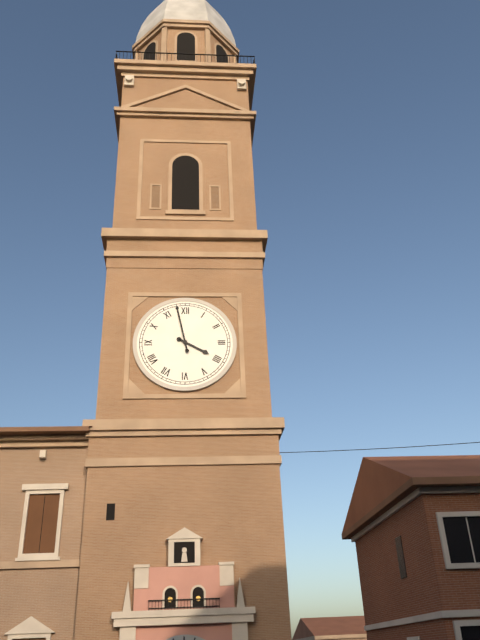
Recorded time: **3:58**
